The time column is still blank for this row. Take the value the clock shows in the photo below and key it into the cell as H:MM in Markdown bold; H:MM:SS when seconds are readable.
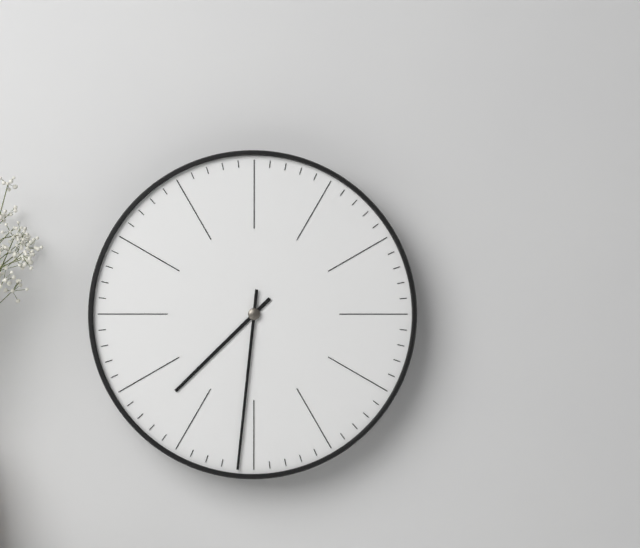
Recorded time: **7:31**
